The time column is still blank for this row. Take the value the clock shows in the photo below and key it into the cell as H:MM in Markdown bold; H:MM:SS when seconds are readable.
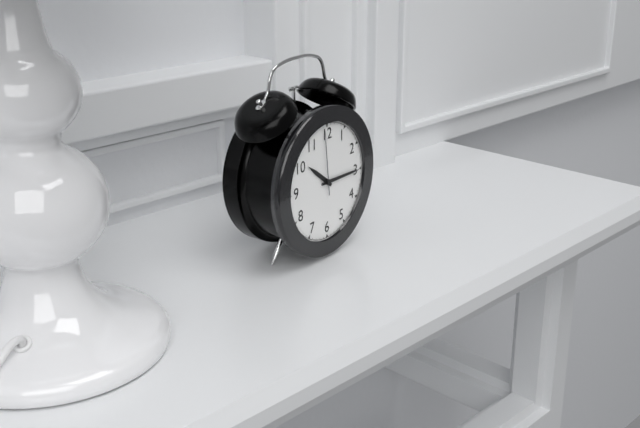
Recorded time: **10:15:59**
